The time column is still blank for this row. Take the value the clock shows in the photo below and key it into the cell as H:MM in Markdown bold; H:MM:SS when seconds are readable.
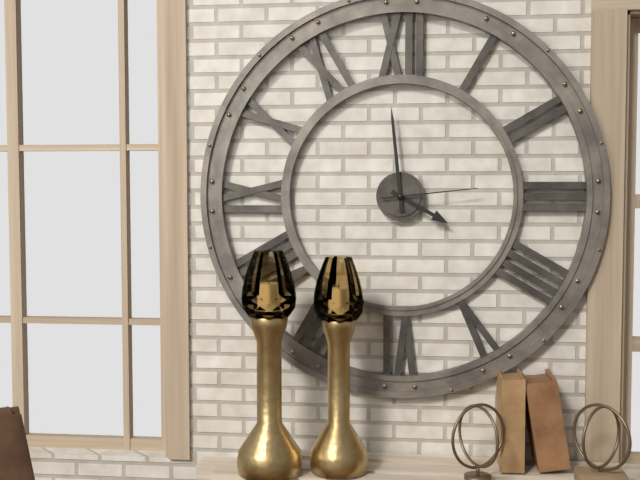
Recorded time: **3:59:14**
